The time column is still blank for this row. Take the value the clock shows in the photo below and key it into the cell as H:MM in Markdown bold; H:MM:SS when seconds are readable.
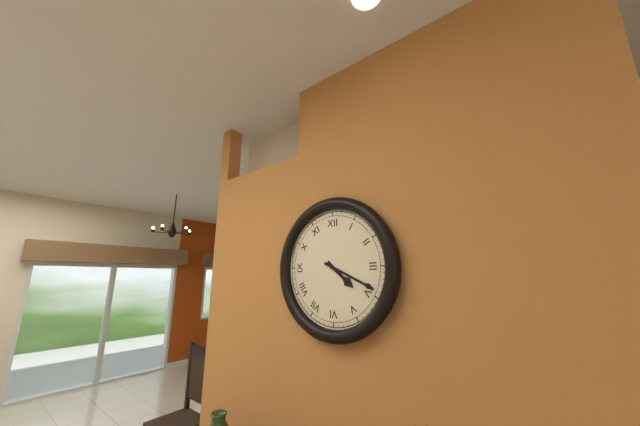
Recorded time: **4:19**
